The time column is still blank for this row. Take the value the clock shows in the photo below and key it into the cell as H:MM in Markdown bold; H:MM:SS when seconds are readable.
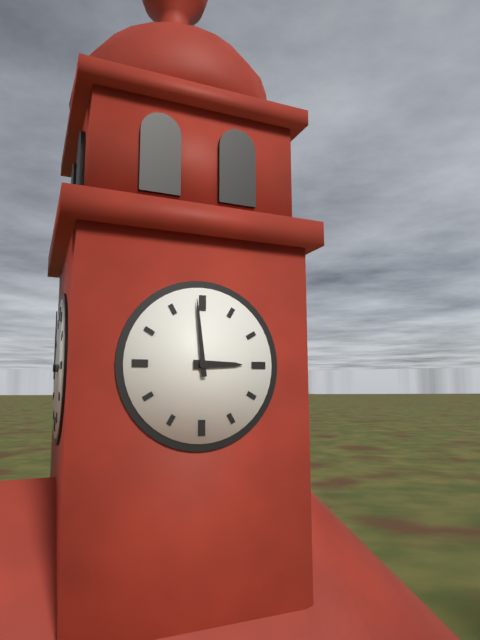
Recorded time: **2:59**
